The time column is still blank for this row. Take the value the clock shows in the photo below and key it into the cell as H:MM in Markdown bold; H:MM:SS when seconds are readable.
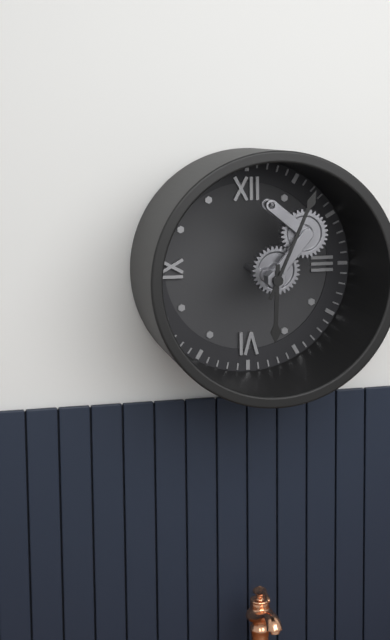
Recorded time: **6:04**
